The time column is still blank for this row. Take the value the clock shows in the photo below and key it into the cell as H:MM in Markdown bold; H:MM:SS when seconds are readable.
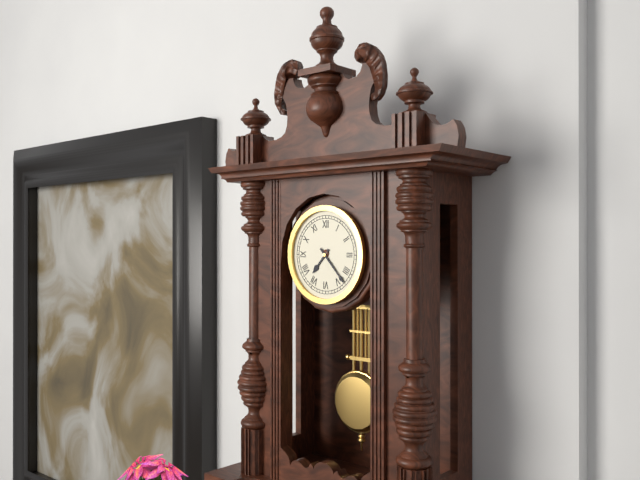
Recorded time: **7:23**
